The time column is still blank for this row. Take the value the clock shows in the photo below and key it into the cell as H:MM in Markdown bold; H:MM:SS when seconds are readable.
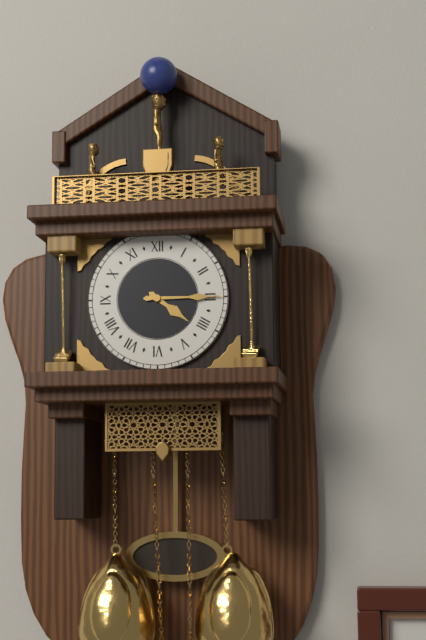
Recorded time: **4:15**
